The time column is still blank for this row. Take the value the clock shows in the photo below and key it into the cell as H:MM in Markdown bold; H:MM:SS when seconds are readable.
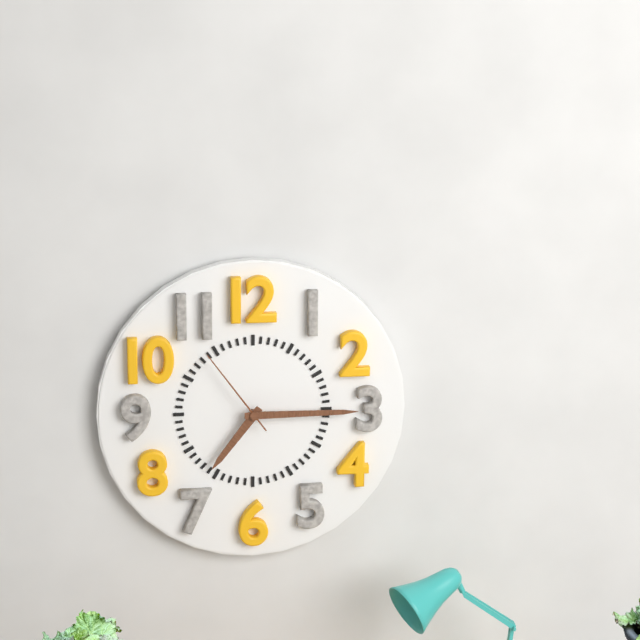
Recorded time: **7:15:54**
